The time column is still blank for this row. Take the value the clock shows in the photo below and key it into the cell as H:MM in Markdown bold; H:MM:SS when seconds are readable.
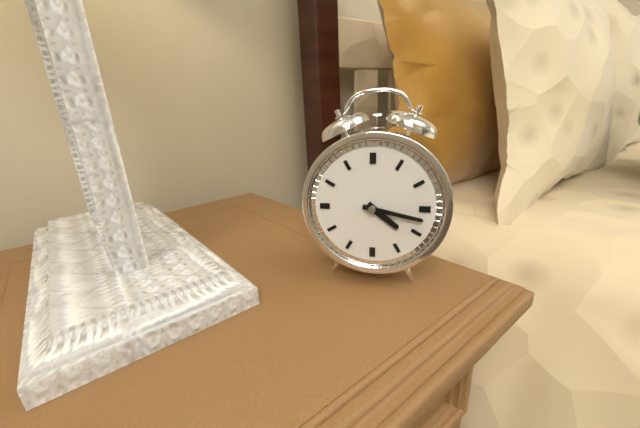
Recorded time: **4:17**
